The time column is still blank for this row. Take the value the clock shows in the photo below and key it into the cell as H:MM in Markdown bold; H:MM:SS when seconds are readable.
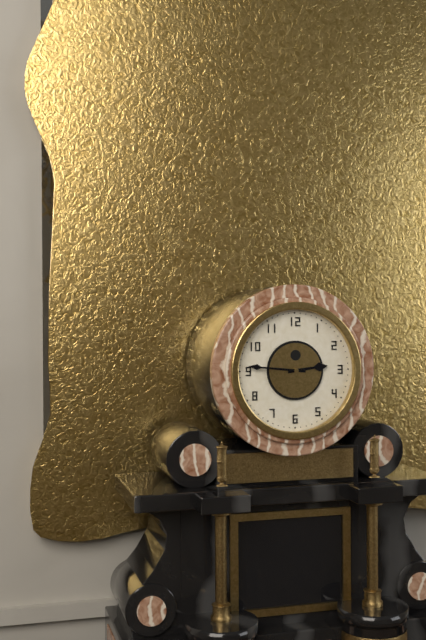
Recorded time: **2:46**
